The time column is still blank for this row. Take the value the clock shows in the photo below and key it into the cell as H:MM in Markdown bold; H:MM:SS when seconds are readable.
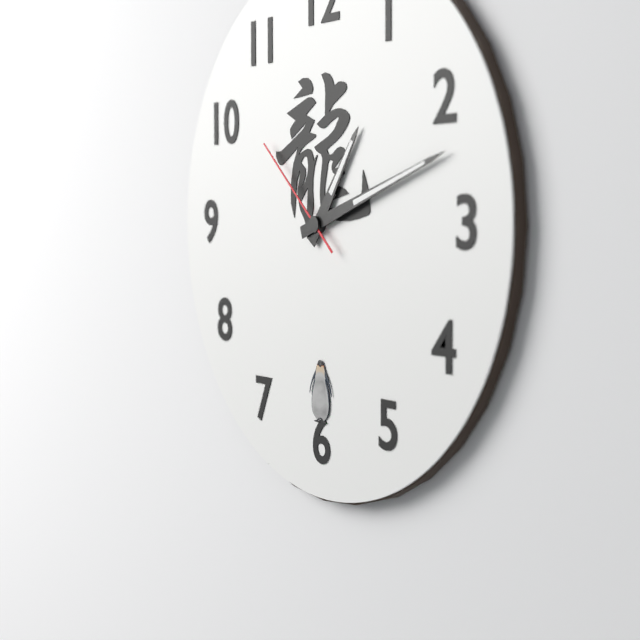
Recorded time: **1:12:52**
